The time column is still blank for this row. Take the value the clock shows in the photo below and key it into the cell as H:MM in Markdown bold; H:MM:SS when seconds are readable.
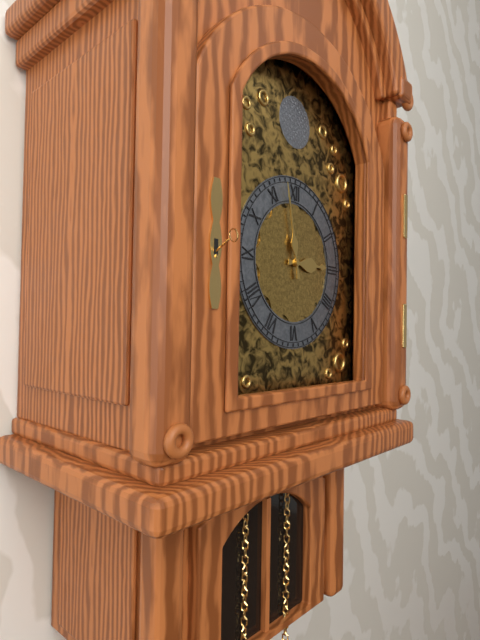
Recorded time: **2:58**
